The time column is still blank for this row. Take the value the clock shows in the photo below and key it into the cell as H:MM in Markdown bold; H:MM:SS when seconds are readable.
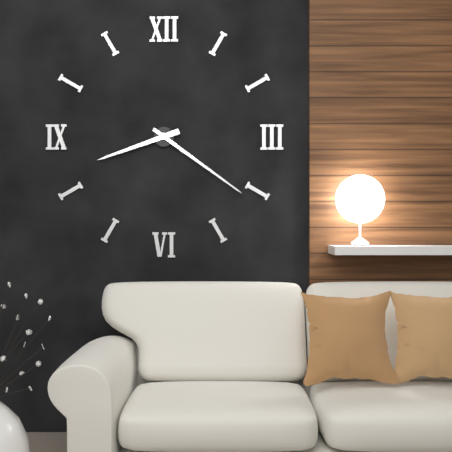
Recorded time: **8:21**
